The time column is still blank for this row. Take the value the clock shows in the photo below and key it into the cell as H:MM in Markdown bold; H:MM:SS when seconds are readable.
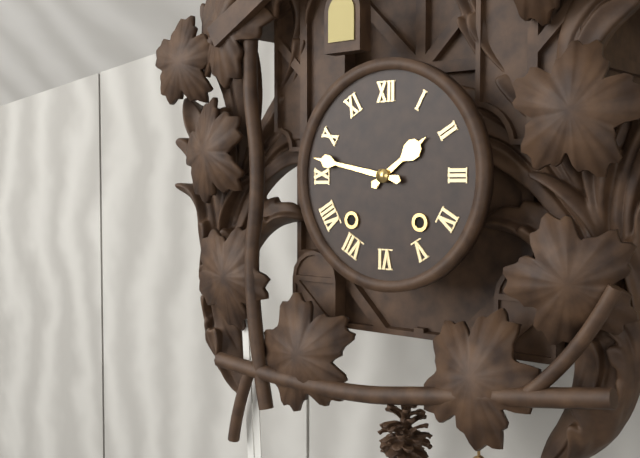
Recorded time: **1:47**
